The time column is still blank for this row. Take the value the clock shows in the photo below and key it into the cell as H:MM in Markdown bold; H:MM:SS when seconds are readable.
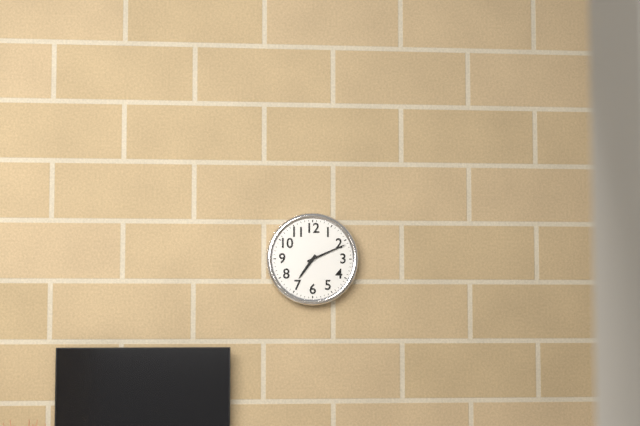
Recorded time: **7:11**
